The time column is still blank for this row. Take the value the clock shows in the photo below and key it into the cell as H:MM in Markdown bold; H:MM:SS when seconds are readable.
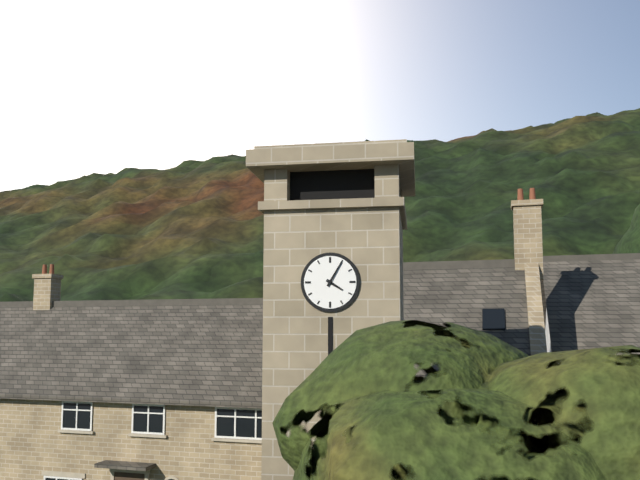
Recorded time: **4:05**
